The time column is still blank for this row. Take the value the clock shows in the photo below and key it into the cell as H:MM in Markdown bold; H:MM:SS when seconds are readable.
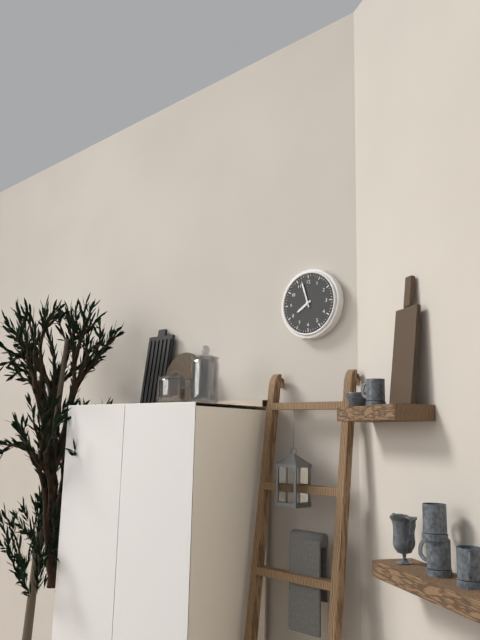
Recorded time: **7:57**
